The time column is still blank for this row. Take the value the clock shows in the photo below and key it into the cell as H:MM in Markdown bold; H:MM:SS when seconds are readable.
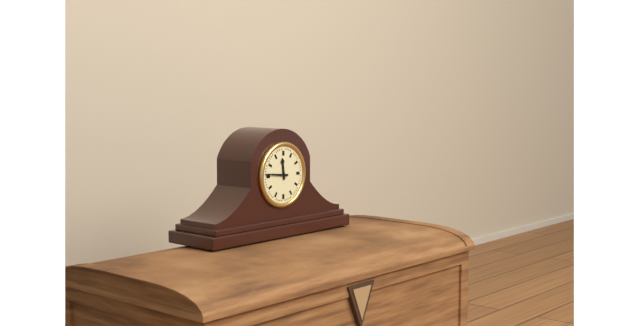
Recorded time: **11:46**
